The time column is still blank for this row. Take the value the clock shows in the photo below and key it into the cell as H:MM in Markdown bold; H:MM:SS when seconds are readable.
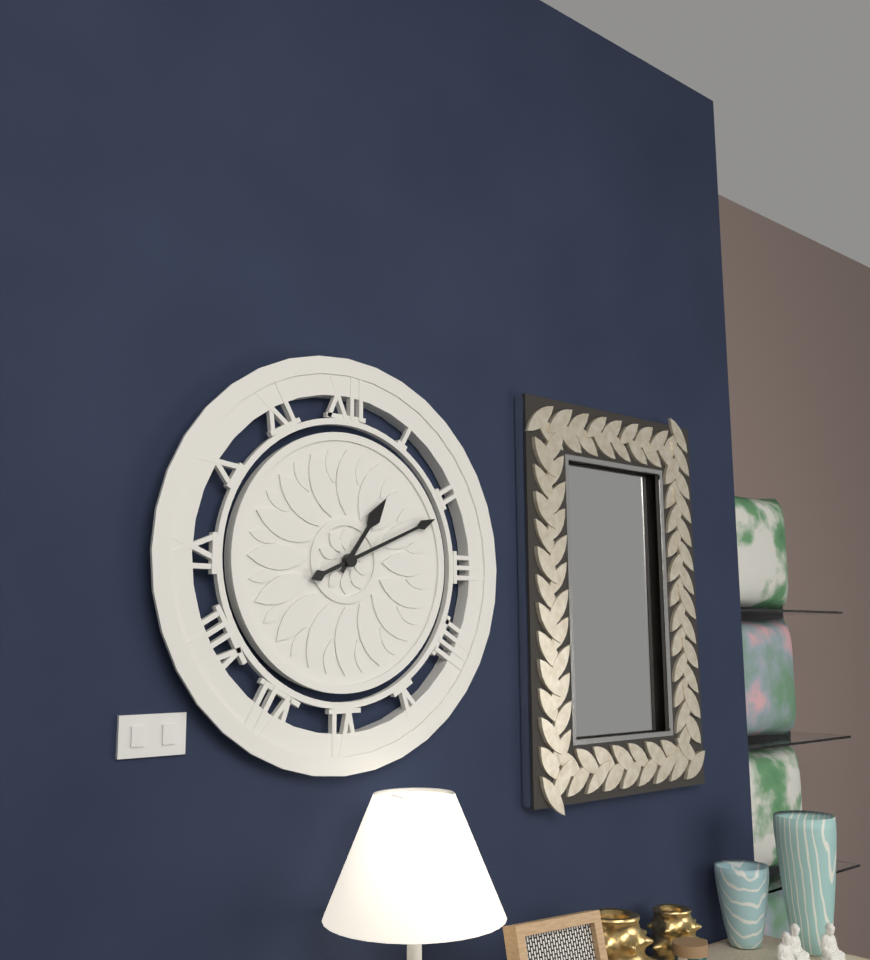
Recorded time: **1:11**
